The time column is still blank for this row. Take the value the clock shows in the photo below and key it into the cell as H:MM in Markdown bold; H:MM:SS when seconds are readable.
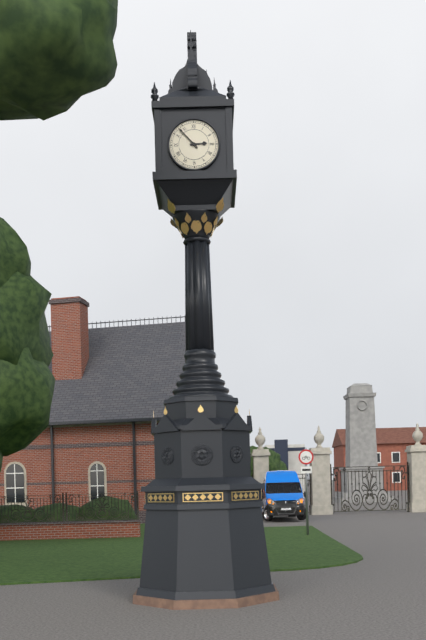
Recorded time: **2:53**
